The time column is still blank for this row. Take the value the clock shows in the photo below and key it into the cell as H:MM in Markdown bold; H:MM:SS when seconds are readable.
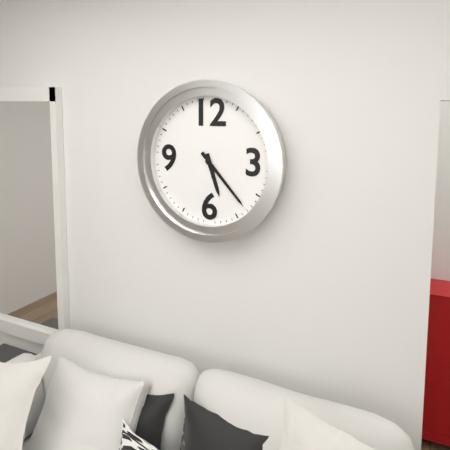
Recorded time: **5:23**
